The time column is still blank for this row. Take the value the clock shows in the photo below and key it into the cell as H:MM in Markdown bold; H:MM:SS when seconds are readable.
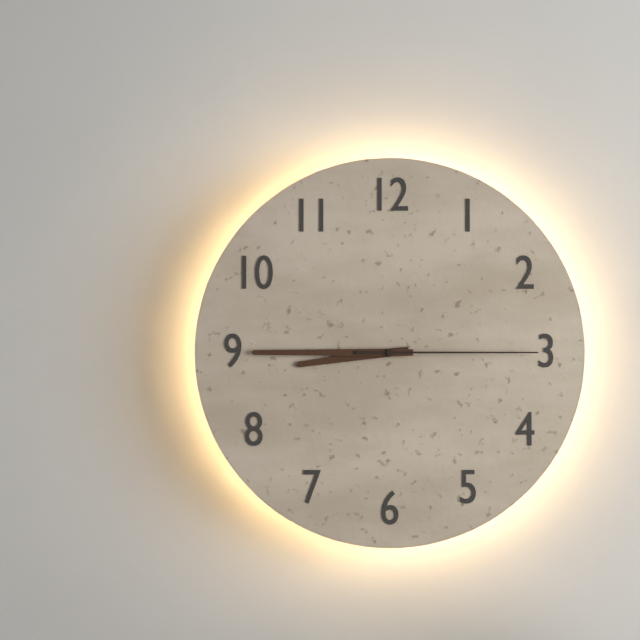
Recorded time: **8:45:15**
